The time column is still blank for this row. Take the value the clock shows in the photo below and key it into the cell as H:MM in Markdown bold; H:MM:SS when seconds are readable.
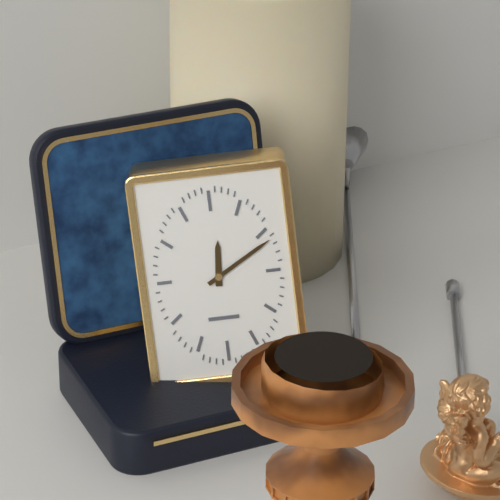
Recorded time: **12:10**
